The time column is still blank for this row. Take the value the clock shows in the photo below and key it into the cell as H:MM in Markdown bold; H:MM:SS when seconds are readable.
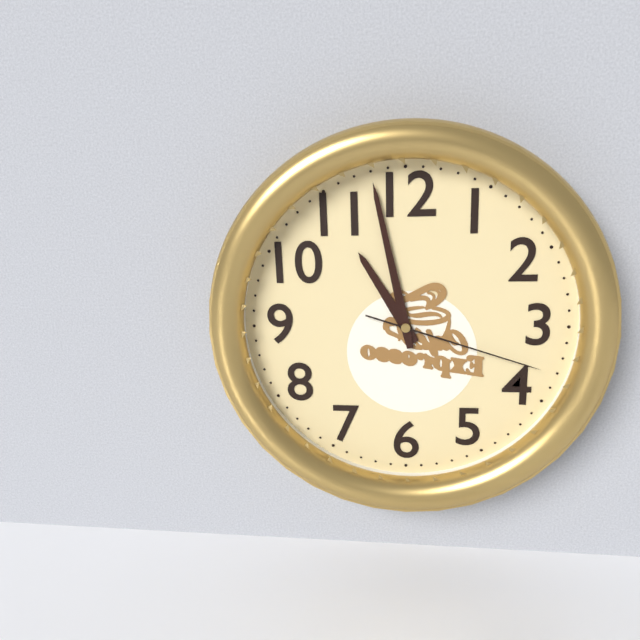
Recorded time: **10:58:18**
